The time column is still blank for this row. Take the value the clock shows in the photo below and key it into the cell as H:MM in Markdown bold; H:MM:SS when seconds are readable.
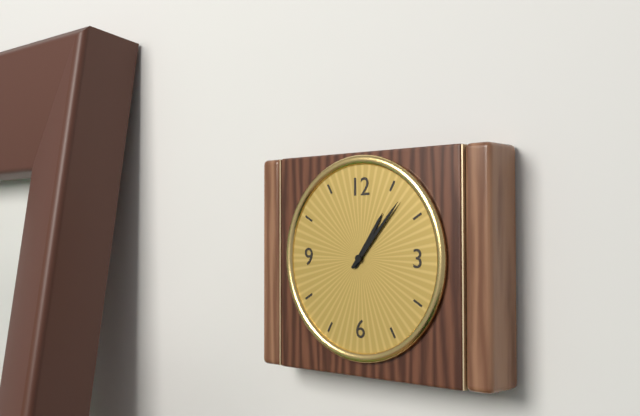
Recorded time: **1:07**
